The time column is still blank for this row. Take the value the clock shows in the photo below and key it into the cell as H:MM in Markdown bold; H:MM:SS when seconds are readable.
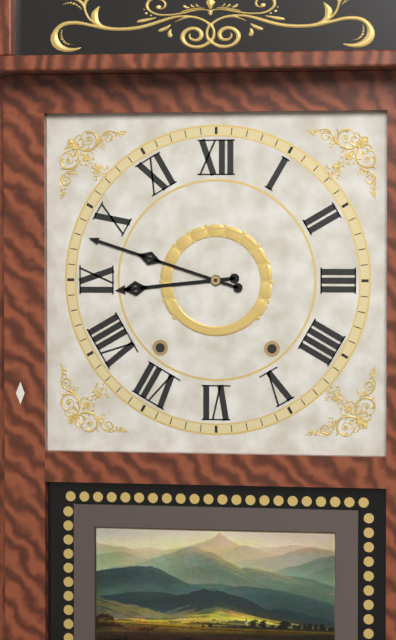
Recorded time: **8:48**
